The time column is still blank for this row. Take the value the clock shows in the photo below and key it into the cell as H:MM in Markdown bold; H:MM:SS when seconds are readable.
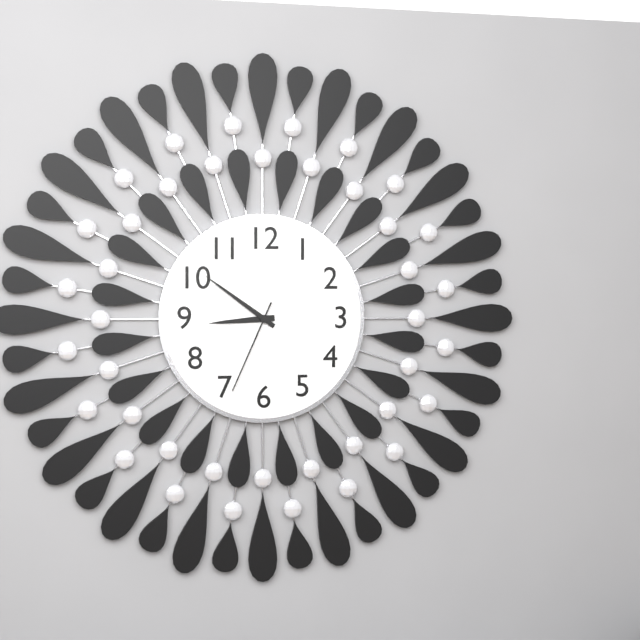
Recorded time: **8:51:34**
